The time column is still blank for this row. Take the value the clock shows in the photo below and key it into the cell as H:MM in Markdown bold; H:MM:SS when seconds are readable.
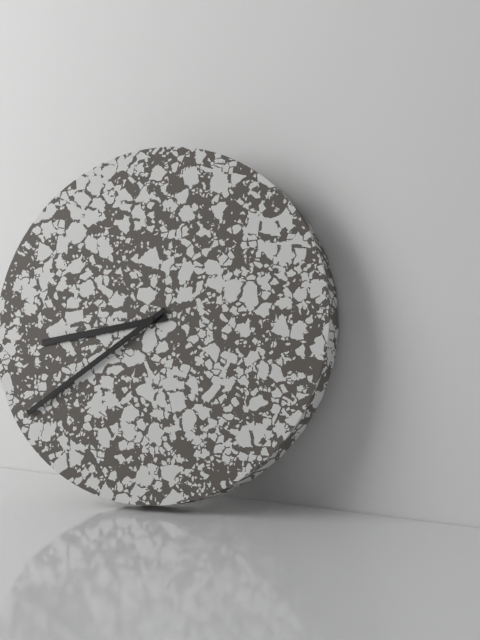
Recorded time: **8:39**
